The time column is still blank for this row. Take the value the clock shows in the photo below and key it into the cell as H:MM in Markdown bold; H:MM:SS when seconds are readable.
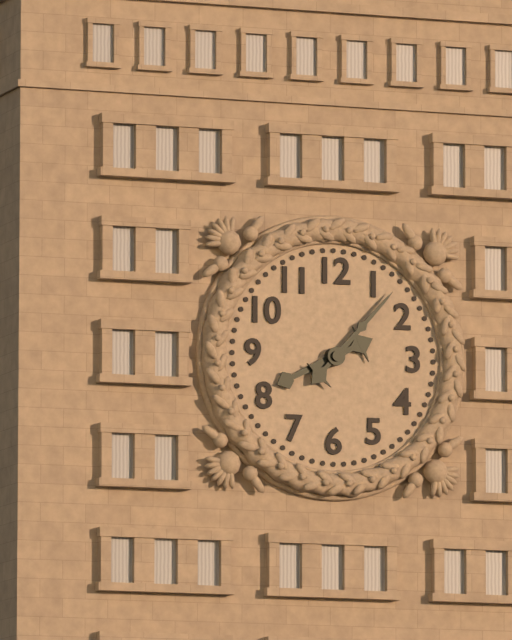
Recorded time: **8:07**
